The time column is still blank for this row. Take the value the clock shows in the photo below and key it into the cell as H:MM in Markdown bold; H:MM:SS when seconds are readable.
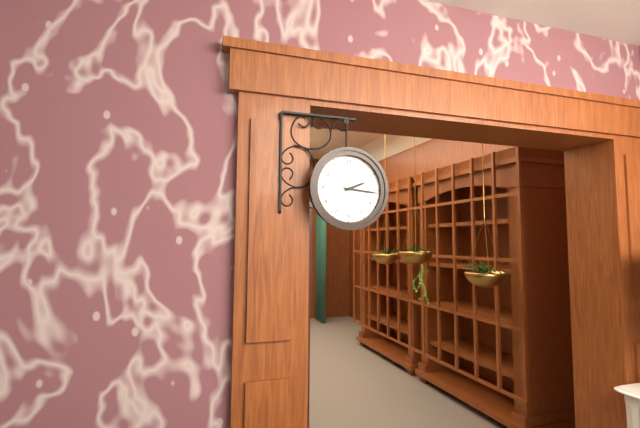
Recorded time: **2:16**
